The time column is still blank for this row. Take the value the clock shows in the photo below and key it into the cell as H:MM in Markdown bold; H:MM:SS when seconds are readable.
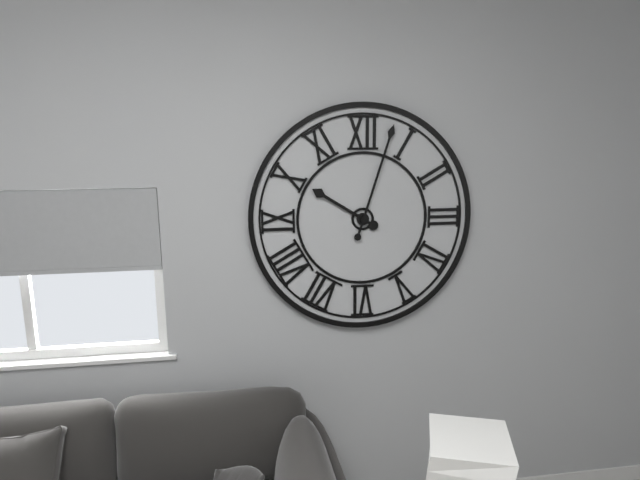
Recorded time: **10:03**
